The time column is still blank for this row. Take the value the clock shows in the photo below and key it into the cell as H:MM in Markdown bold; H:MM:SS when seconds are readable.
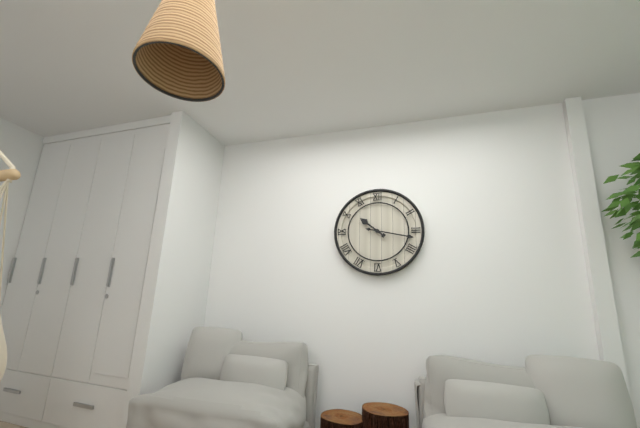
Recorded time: **10:17**
